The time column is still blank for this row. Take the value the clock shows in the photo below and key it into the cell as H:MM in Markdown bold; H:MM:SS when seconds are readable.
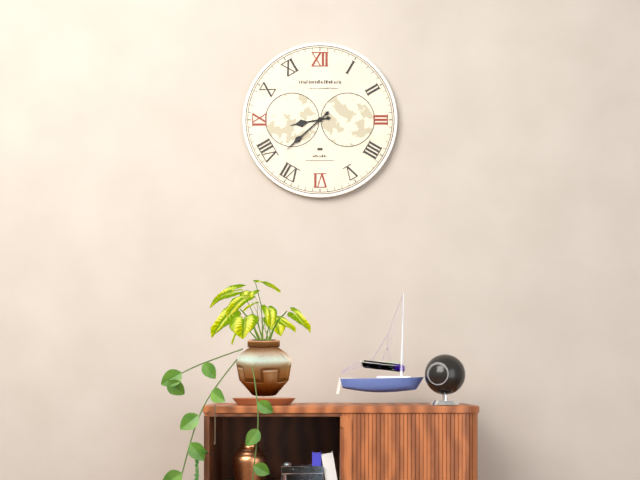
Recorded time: **8:38**
